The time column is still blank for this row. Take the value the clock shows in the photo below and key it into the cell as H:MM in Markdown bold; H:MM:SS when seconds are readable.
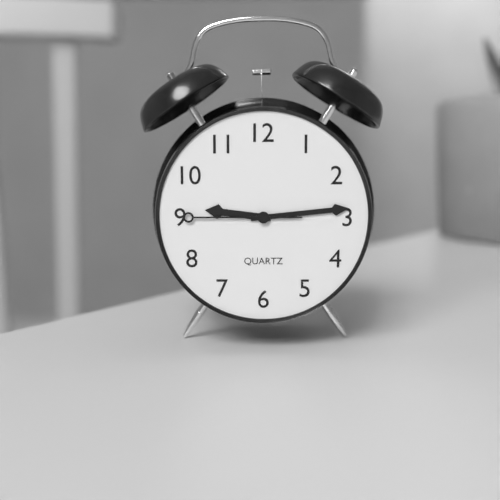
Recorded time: **9:14:45**
